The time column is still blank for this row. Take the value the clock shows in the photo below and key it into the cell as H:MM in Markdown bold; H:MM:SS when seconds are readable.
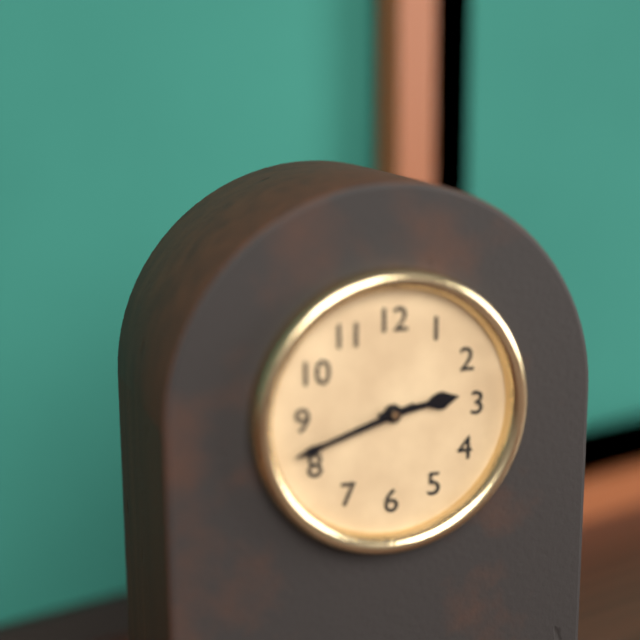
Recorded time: **2:42**
